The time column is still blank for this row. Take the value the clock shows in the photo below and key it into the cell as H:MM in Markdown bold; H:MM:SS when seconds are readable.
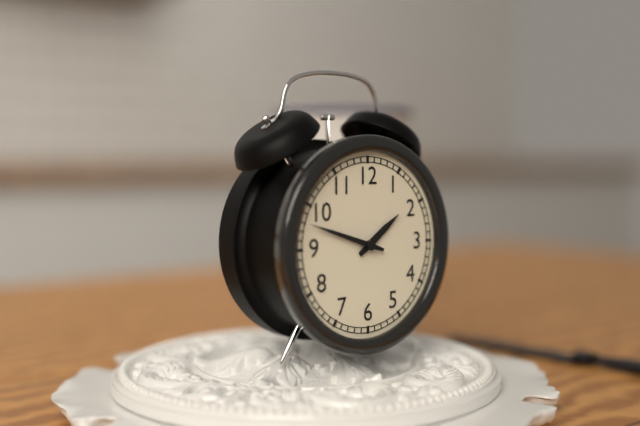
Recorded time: **1:48**
